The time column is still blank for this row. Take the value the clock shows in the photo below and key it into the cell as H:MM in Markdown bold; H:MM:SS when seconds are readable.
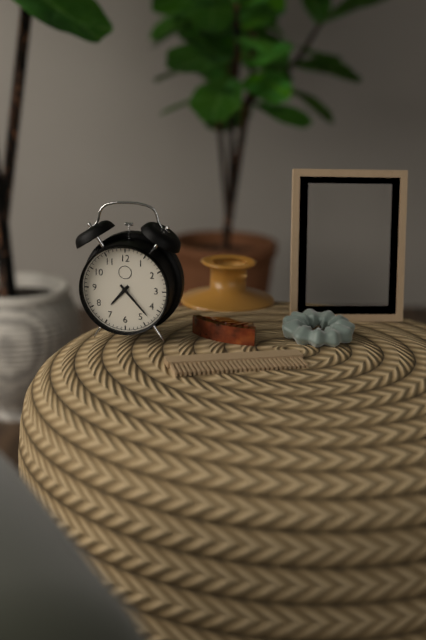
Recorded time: **7:23**
